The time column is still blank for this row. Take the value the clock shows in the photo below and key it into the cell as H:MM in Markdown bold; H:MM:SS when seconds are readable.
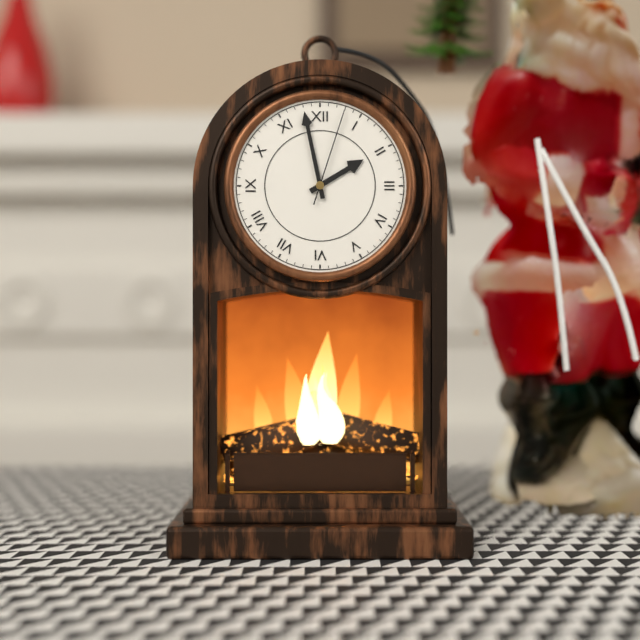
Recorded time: **1:58:03**
